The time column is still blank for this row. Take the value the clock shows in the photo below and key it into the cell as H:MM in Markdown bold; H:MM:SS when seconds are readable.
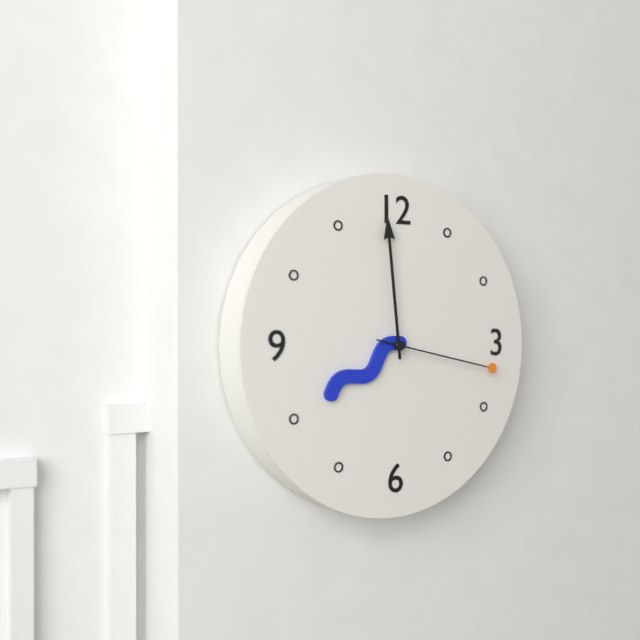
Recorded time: **7:59:17**
